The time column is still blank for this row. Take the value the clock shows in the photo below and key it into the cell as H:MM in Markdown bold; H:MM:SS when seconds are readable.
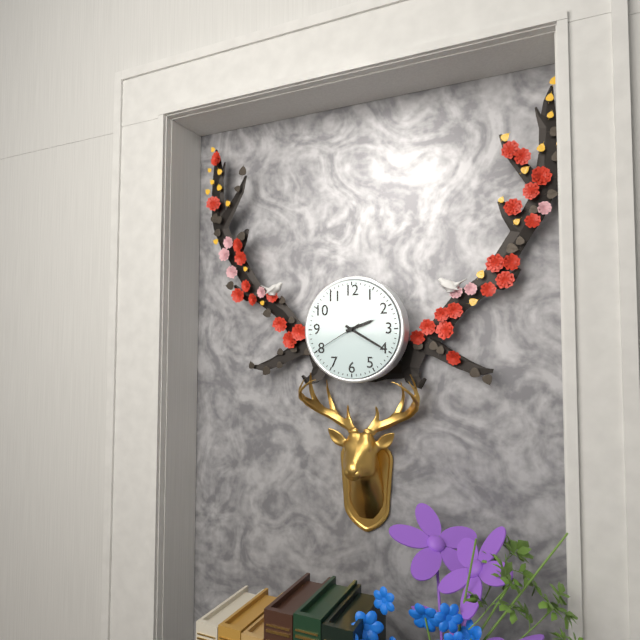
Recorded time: **2:20:40**
